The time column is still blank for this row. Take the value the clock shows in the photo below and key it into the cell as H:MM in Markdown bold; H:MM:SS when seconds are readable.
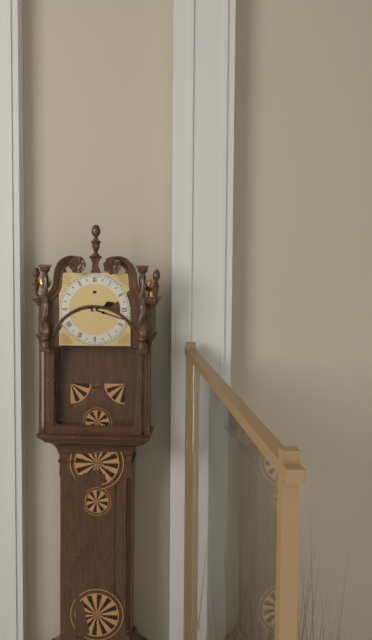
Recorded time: **2:18**
